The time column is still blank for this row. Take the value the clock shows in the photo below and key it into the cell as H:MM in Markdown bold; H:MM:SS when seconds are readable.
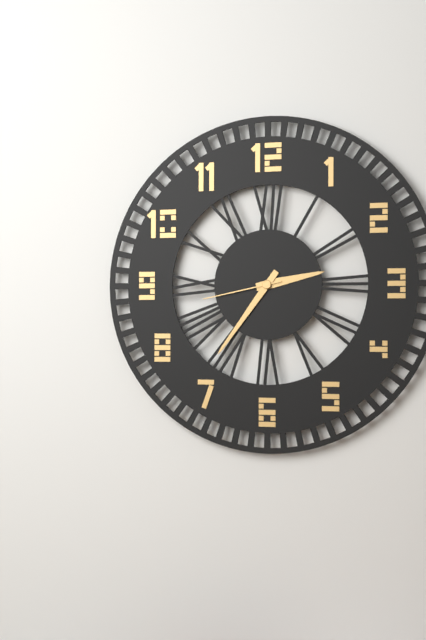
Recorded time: **2:36:43**
